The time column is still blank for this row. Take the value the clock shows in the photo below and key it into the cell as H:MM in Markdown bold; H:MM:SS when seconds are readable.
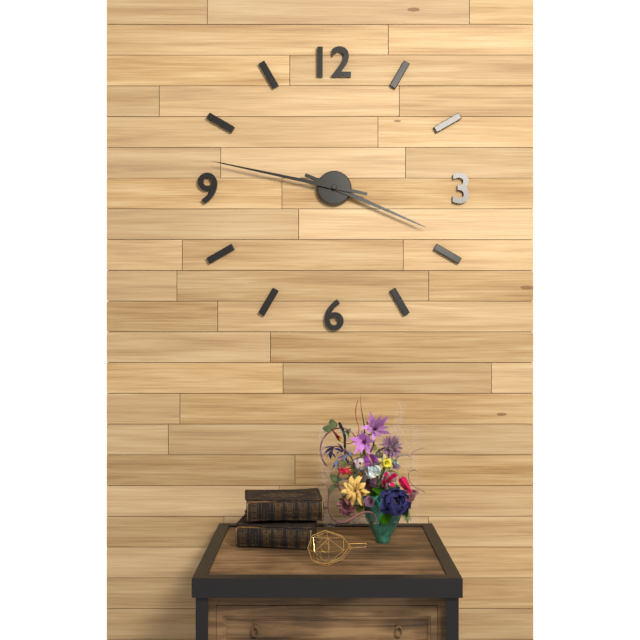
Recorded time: **3:47**
